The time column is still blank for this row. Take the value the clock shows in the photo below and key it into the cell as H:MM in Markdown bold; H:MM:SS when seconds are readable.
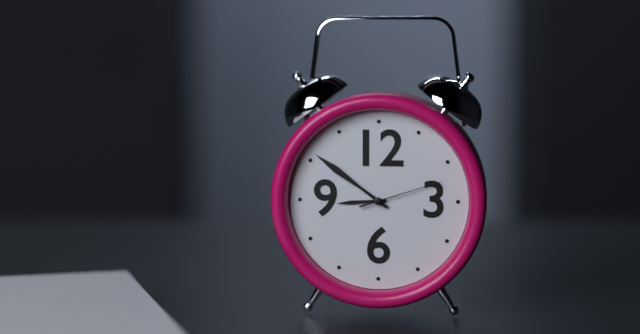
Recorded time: **8:51:12**
